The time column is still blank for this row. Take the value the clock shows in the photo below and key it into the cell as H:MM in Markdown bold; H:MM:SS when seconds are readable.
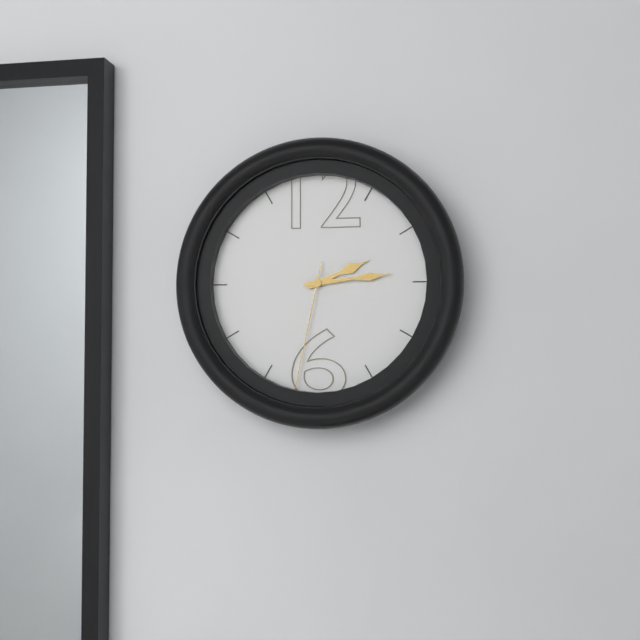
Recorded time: **2:14:32**
